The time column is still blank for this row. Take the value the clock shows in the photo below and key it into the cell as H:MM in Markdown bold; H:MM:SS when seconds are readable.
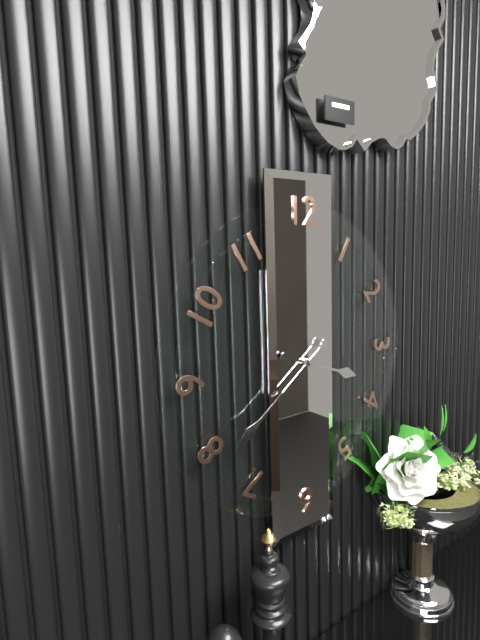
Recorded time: **3:39**
